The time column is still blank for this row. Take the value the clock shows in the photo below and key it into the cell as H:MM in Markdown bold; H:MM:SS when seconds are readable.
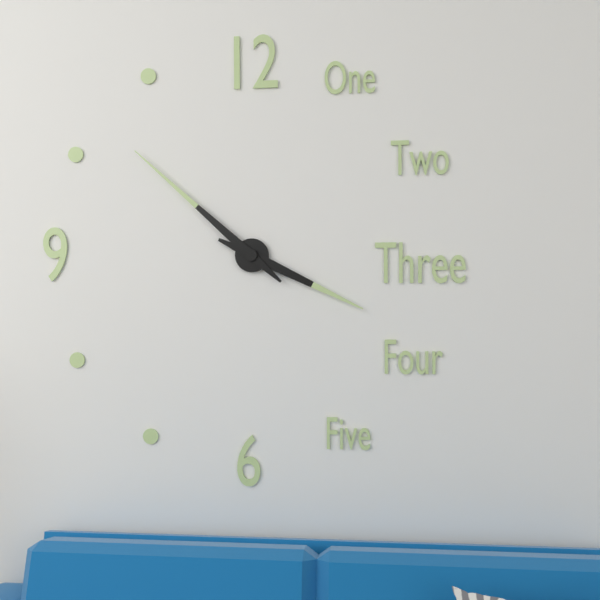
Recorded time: **3:52**
